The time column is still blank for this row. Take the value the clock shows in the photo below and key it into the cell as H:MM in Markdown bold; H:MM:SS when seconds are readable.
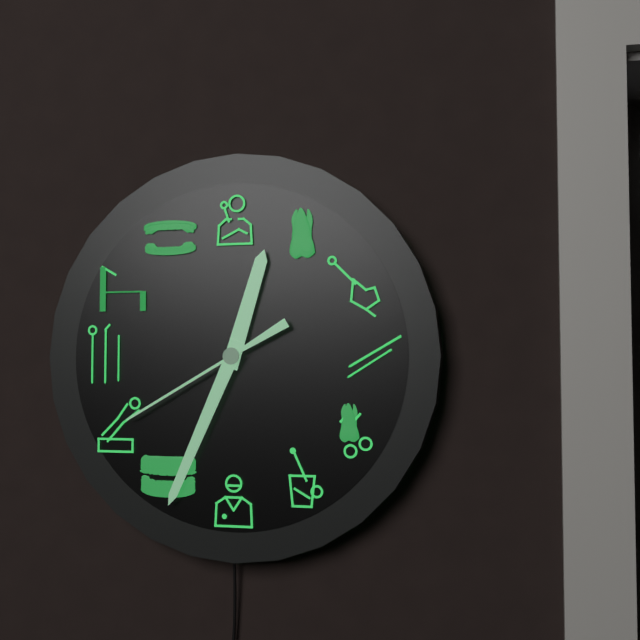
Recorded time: **12:34:40**
